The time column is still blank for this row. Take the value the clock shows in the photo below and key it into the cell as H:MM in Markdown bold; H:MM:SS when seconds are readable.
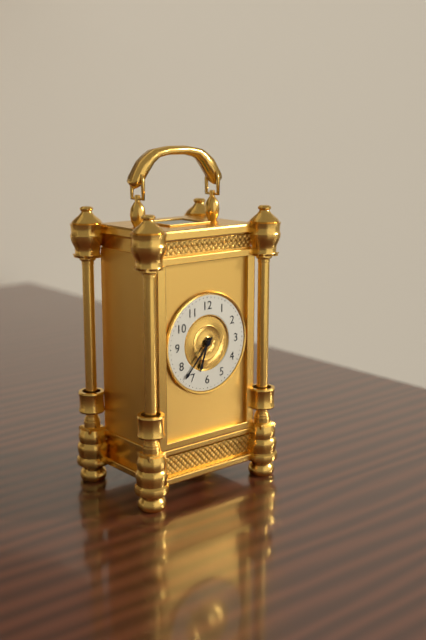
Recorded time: **6:37**
